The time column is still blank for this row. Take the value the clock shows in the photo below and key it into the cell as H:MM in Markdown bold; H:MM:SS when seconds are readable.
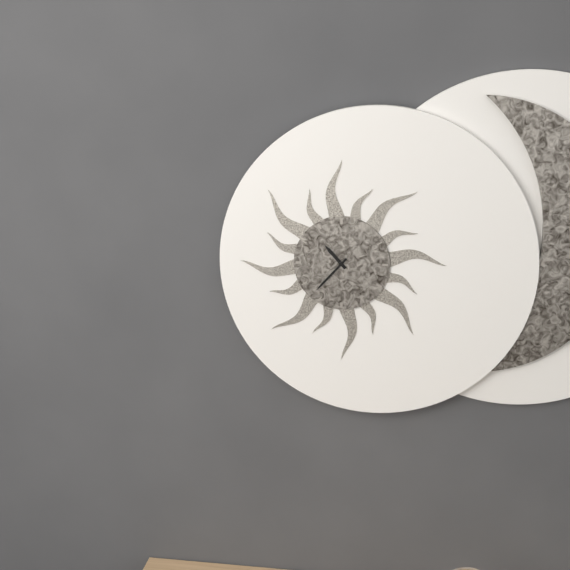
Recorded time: **10:37**
